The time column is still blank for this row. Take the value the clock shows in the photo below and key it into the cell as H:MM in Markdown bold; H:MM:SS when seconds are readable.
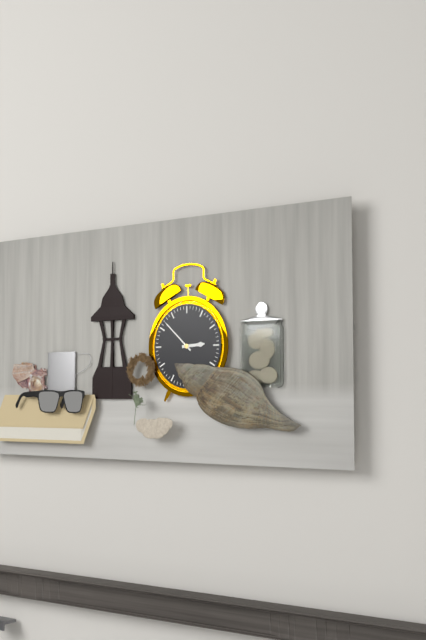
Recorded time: **2:52**
